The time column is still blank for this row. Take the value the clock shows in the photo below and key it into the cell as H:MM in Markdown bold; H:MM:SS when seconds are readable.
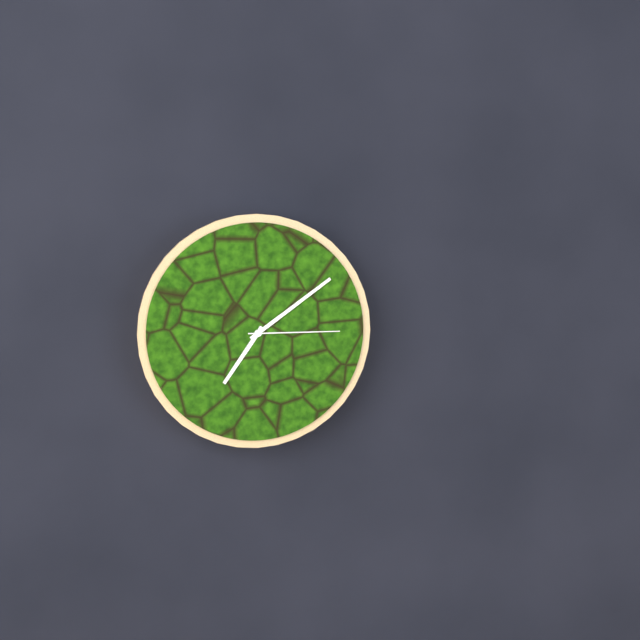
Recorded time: **7:09:15**
